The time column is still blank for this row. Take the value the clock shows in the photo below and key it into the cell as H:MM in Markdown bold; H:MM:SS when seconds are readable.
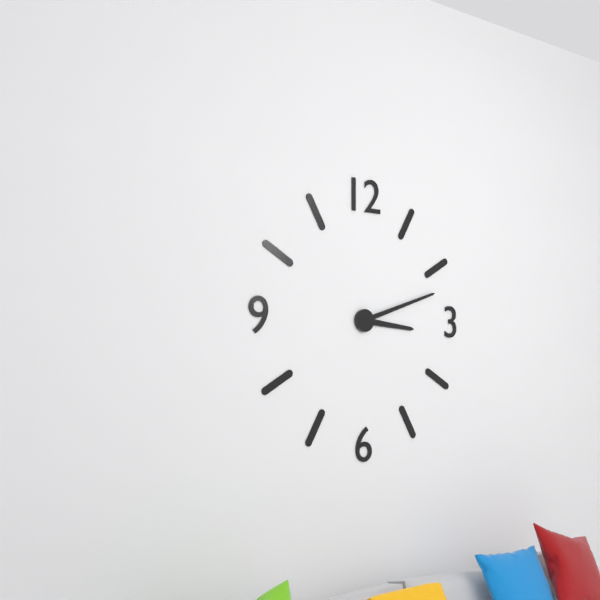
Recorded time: **3:12**
